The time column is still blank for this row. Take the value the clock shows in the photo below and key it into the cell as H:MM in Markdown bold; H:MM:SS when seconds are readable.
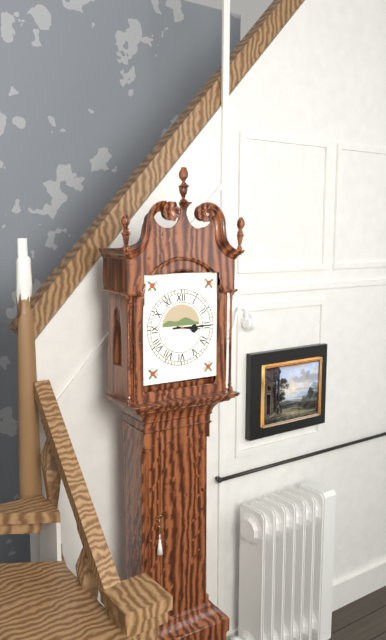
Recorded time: **3:15**
